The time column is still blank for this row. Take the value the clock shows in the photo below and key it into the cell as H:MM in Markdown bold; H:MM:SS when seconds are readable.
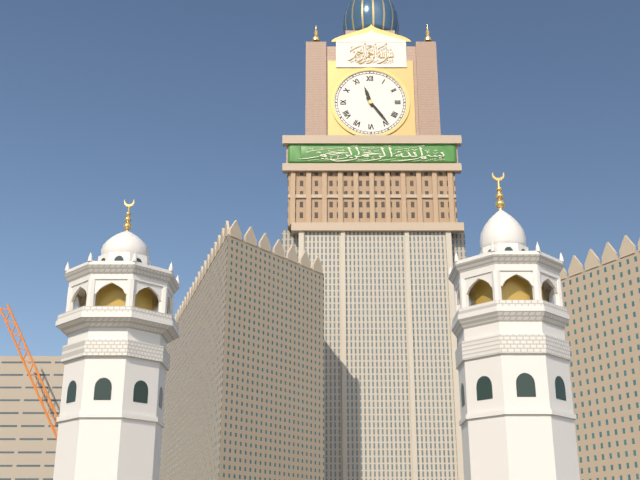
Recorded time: **11:24**
